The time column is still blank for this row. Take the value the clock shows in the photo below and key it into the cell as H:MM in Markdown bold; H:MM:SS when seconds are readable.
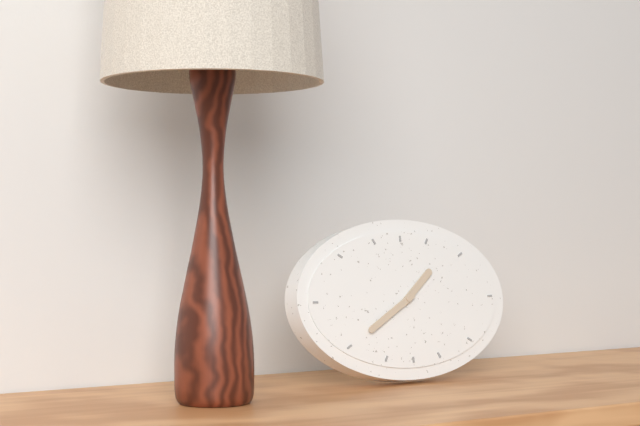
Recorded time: **1:40**
